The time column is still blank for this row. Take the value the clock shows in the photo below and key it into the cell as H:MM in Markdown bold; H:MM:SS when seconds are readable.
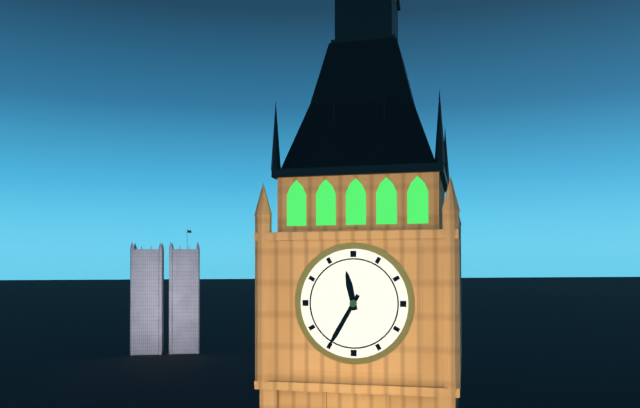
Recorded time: **11:35**
